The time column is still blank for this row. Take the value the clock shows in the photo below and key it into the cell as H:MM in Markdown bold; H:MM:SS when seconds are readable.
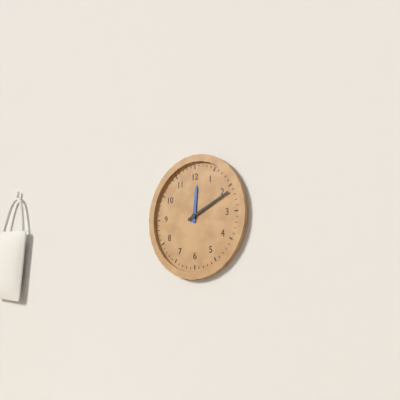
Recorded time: **12:11**
